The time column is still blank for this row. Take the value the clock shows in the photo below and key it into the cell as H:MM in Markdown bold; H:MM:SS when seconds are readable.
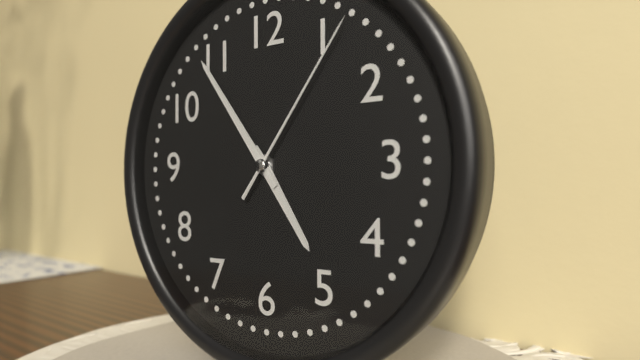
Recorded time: **4:54:06**
